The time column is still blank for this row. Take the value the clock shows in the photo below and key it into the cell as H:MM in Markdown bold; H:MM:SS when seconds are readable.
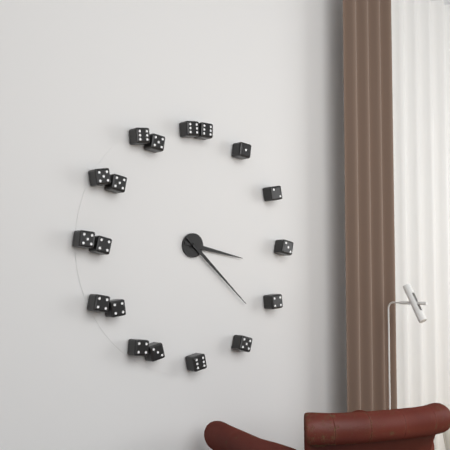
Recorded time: **3:22**
